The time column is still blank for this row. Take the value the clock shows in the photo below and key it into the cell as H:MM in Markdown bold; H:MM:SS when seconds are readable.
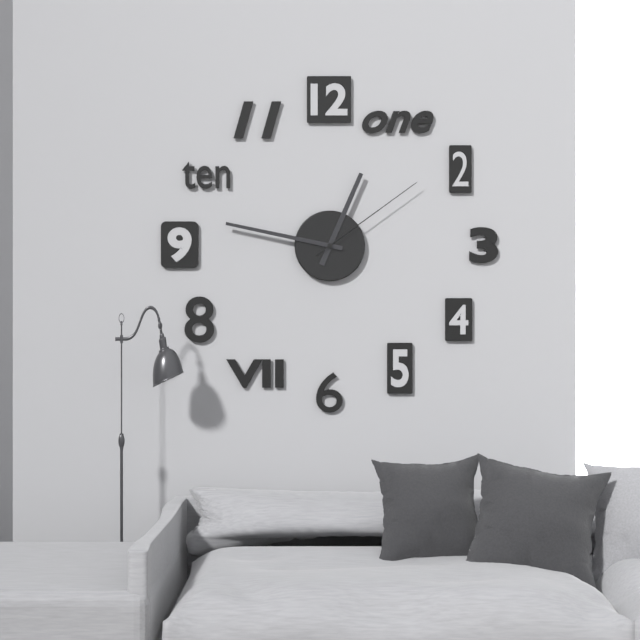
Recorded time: **12:47:09**
